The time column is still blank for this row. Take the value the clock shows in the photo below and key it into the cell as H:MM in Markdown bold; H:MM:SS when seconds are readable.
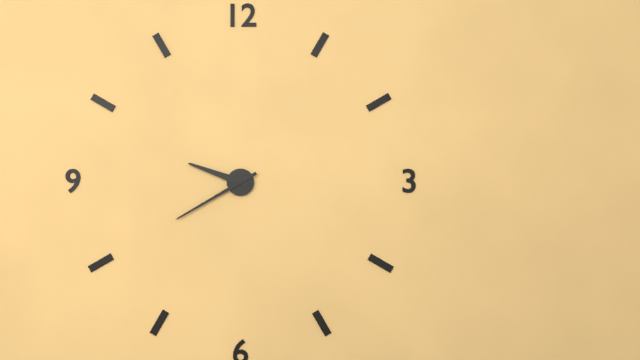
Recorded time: **9:40**
